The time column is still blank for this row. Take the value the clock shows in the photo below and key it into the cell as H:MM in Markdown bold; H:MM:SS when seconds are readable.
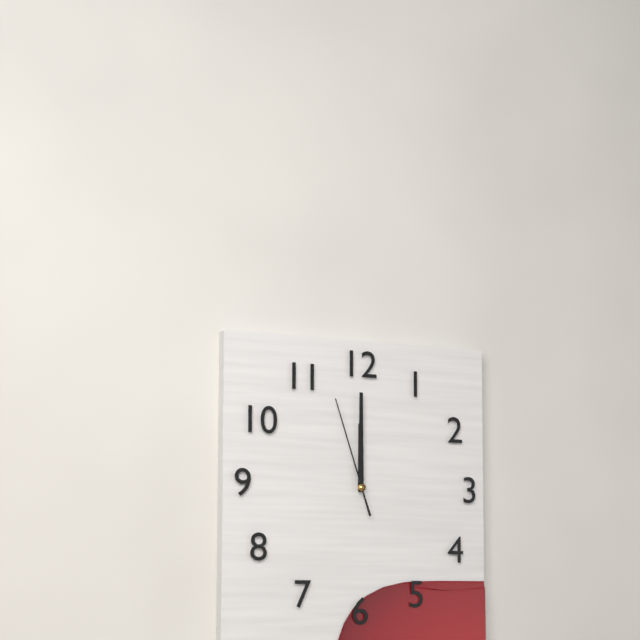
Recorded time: **12:00:57**
